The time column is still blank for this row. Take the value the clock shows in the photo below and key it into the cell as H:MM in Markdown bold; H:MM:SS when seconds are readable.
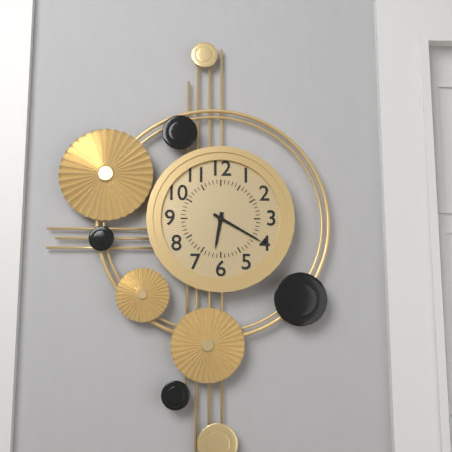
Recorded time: **6:20**
